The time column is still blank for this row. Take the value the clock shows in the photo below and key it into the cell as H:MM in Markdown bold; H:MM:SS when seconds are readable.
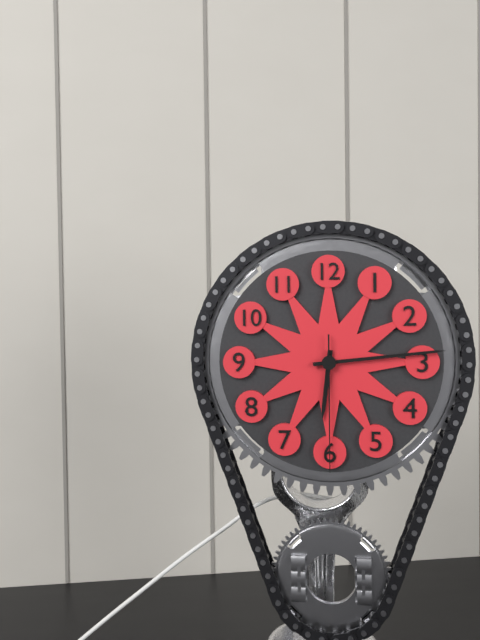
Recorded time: **6:14:30**
